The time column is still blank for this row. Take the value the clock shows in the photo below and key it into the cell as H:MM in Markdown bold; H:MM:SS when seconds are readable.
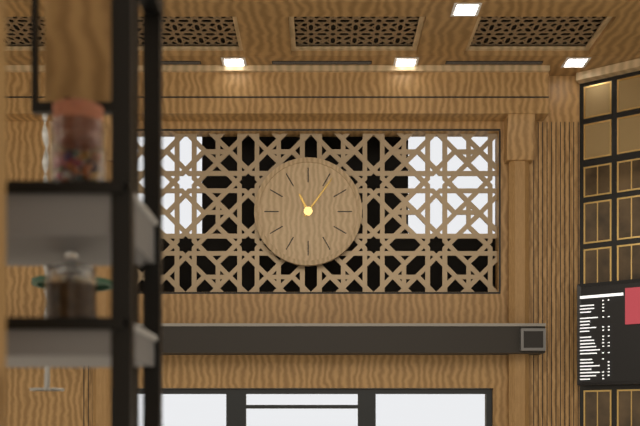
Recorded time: **11:06**
